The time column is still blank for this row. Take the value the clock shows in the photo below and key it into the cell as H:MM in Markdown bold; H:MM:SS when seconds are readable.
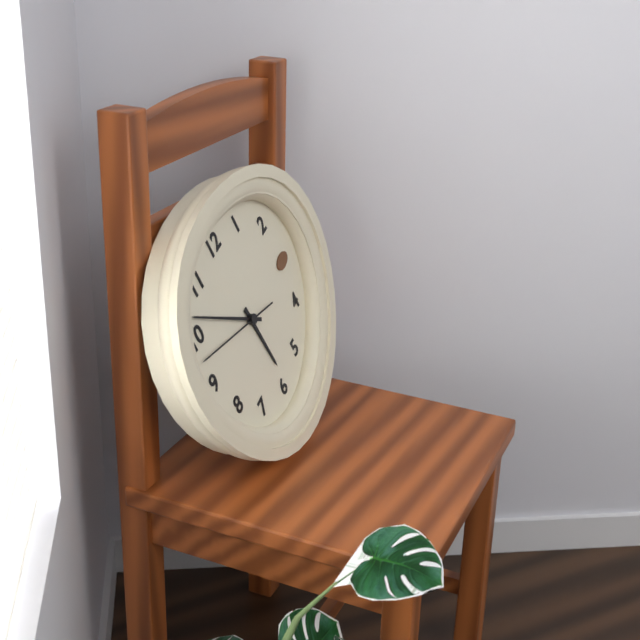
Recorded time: **5:52:48**
